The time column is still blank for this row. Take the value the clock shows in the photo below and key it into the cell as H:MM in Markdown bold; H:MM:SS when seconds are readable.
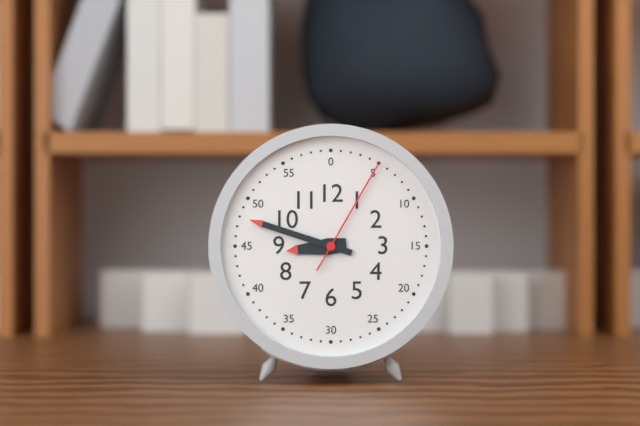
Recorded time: **8:48:05**
